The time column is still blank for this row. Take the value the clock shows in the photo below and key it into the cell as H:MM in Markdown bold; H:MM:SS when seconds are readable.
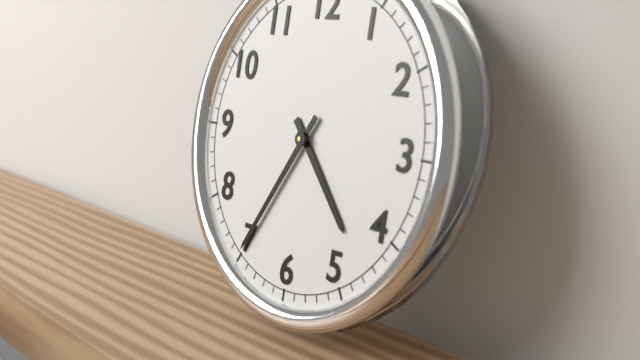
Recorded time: **4:35**
